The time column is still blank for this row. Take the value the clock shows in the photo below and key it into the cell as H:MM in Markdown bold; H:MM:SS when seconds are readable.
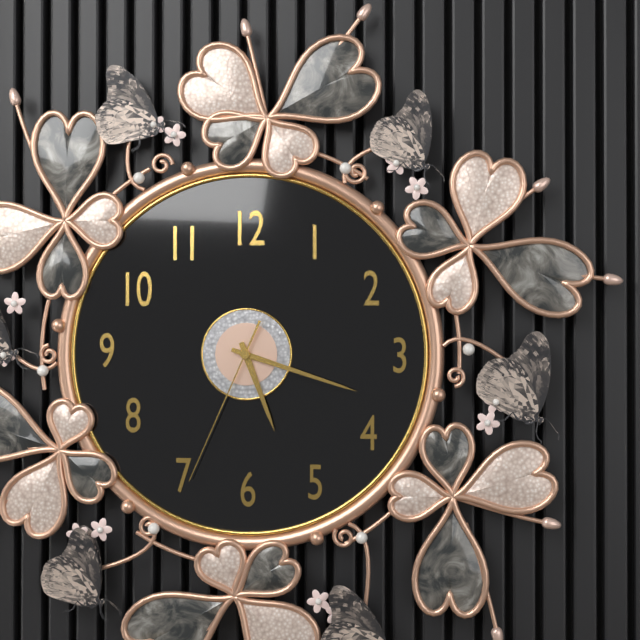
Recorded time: **5:18:34**
